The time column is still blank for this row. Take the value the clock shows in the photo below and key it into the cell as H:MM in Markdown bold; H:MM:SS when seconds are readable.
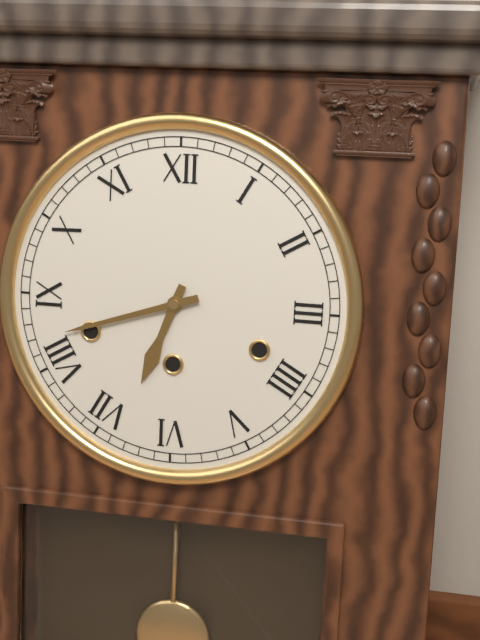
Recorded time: **6:42**
